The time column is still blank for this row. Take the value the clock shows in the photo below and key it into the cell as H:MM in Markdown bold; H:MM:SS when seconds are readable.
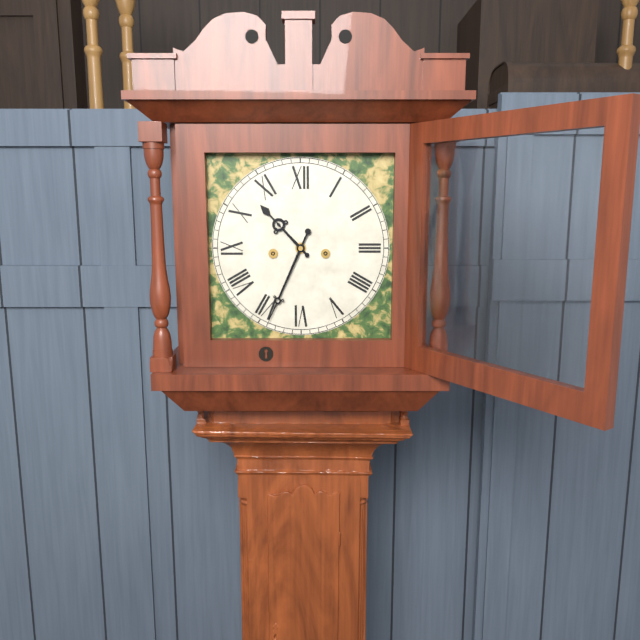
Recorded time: **10:34**
